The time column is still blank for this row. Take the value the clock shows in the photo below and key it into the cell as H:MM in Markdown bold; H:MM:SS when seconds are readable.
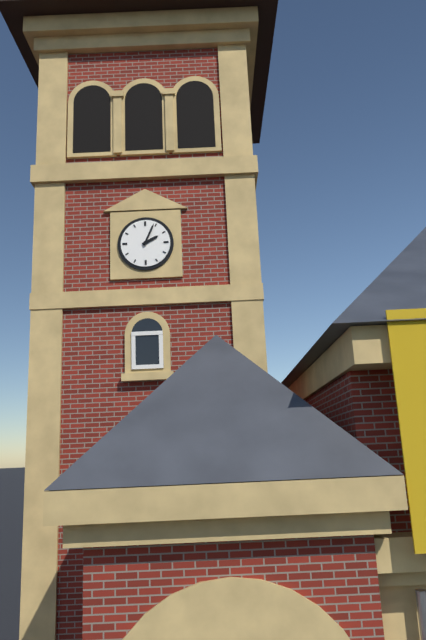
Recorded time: **2:04**
